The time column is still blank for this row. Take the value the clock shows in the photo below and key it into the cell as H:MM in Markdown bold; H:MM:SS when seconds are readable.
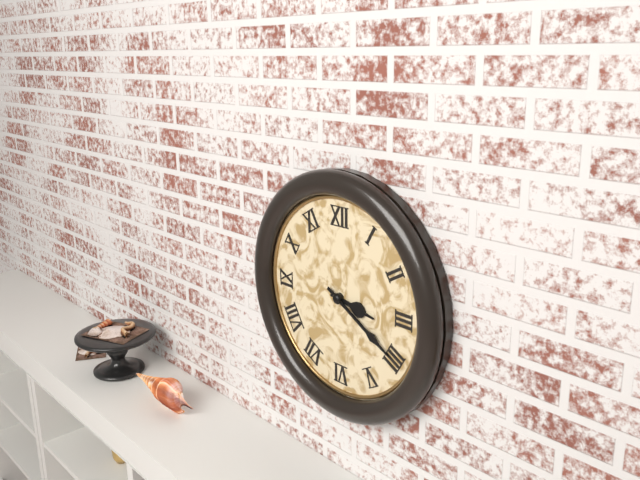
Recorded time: **3:20**
